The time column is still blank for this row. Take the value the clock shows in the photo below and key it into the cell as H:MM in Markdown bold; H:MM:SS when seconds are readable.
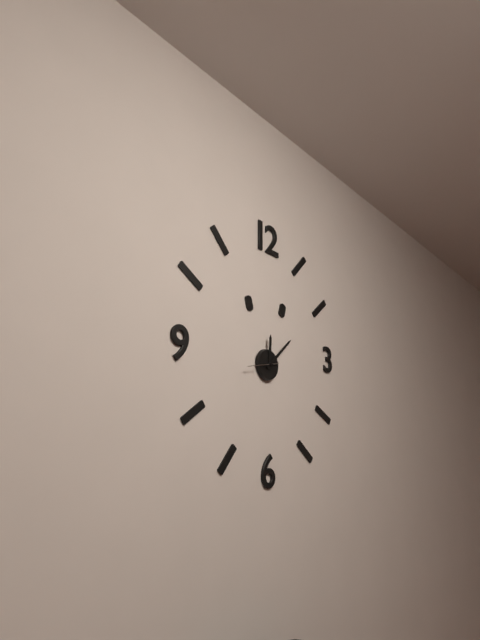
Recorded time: **12:08**
